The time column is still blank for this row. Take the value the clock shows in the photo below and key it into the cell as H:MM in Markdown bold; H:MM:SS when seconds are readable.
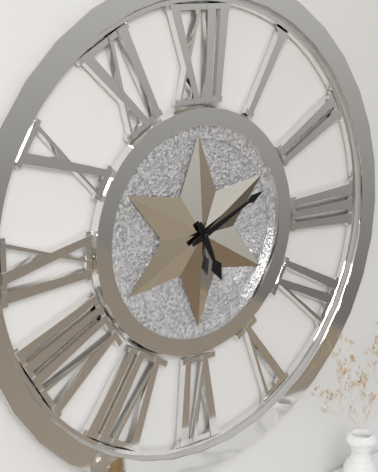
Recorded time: **5:11**
